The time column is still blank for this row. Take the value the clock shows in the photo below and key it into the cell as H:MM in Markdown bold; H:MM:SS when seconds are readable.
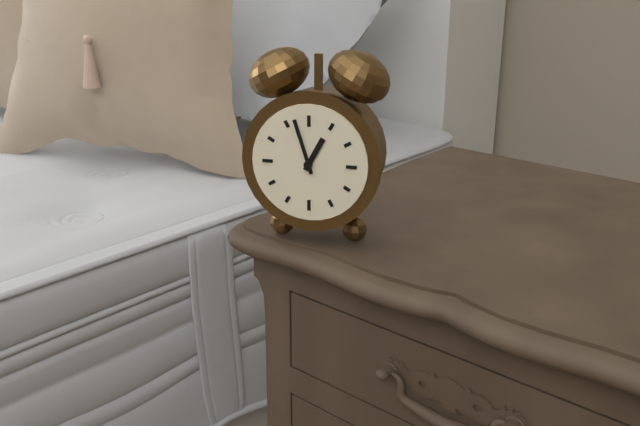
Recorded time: **12:57**
